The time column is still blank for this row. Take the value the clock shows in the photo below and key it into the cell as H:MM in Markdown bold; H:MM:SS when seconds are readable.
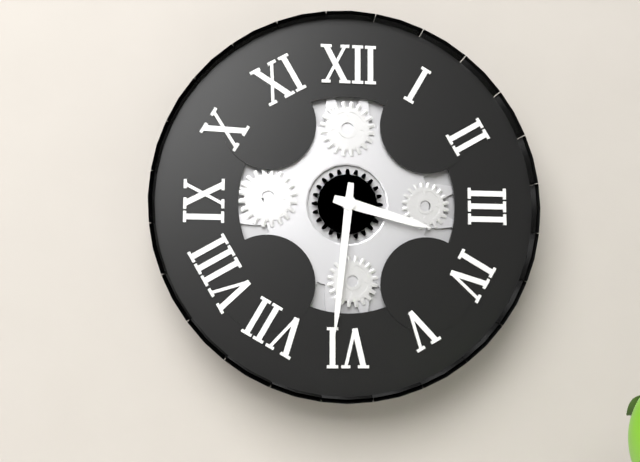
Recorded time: **3:31**
